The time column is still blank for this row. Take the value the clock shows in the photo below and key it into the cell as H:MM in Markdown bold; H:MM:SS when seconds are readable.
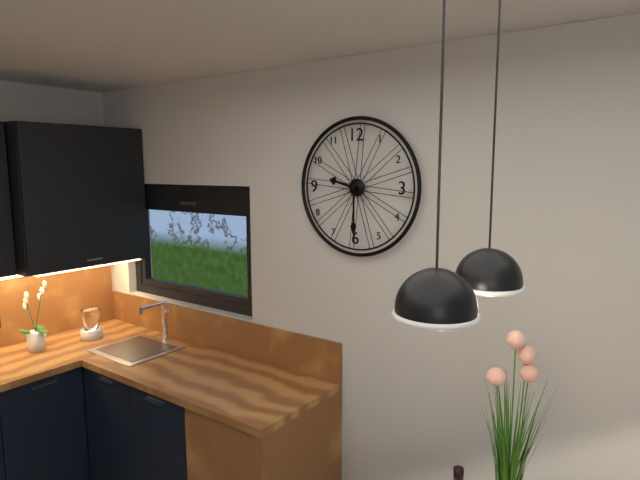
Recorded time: **9:30**
